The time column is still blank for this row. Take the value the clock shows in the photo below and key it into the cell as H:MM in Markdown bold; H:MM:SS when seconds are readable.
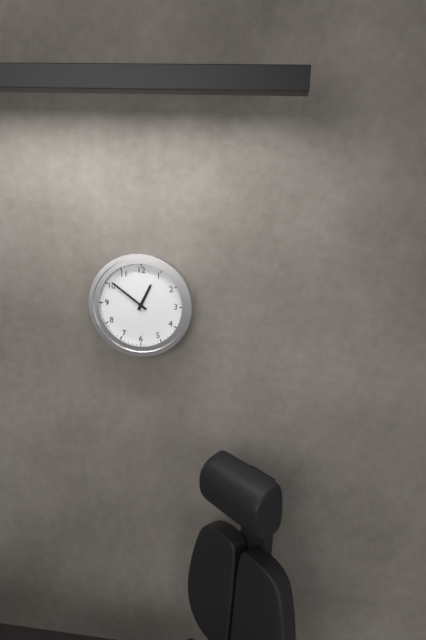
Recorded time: **12:51**
